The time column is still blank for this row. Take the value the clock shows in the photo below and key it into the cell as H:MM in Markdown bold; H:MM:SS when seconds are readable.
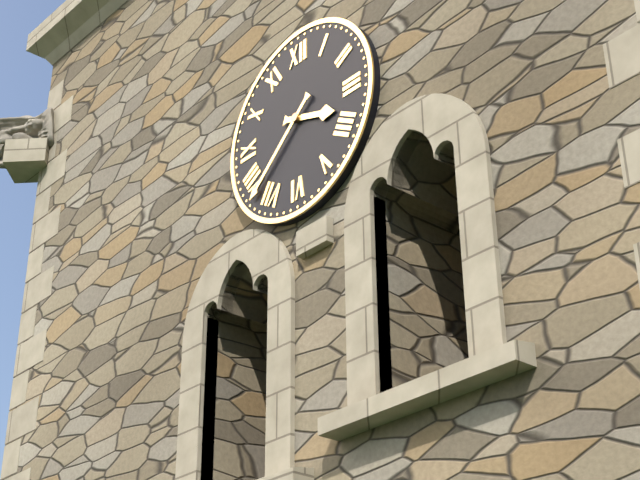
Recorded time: **3:38**
